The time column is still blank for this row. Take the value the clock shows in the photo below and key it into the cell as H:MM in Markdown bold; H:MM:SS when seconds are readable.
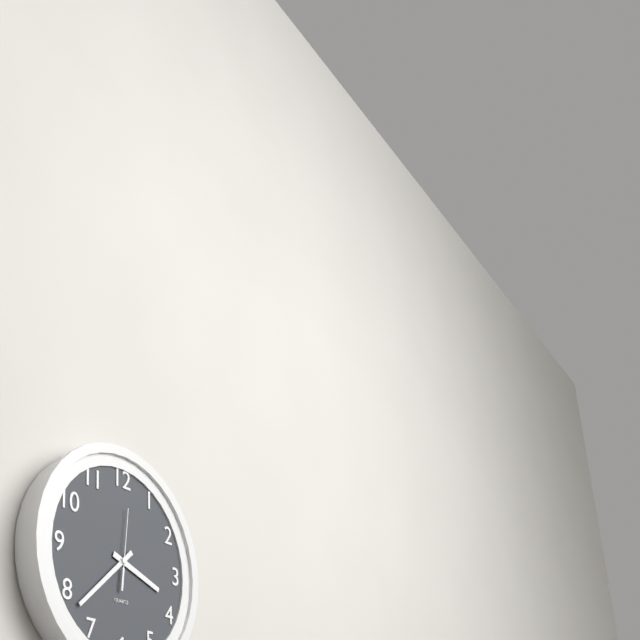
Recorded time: **3:38:01**
